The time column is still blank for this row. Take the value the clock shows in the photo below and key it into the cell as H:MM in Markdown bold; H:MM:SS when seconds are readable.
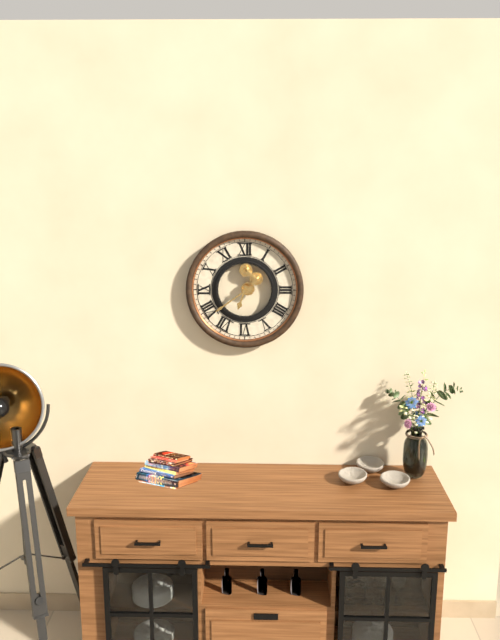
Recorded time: **6:39**
